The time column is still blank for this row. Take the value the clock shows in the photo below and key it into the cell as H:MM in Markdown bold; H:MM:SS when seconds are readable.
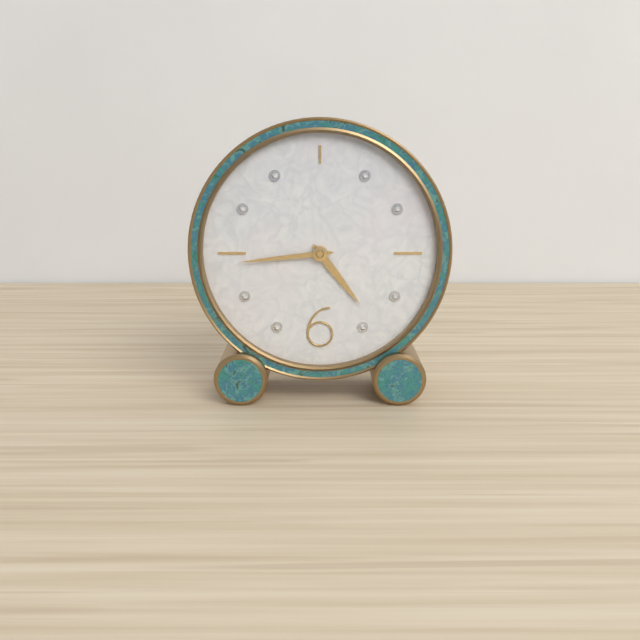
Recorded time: **4:44**
